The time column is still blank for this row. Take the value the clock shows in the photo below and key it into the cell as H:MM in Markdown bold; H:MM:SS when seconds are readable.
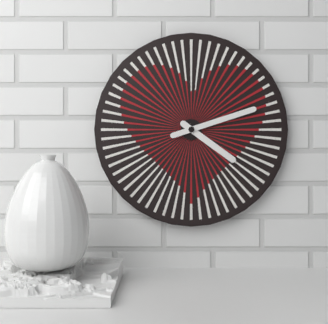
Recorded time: **4:12**
